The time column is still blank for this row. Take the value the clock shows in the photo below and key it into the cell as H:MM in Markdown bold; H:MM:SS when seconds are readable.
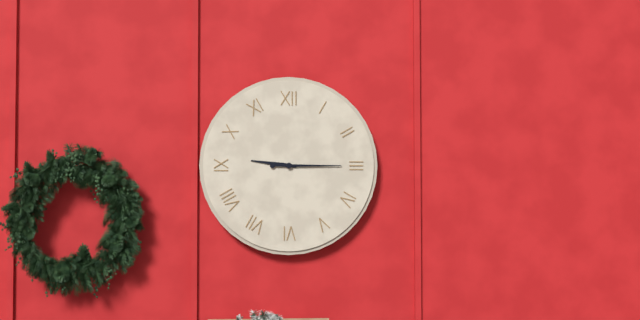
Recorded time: **9:15**
